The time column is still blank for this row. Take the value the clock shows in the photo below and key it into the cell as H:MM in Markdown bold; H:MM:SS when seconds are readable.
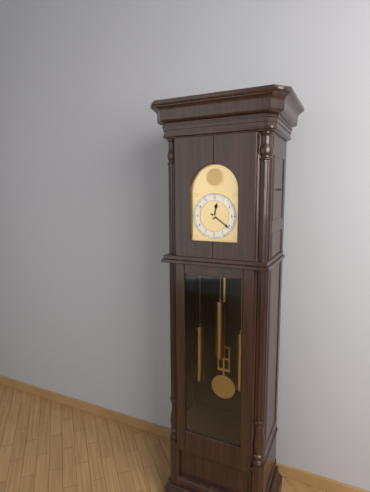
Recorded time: **12:21**
